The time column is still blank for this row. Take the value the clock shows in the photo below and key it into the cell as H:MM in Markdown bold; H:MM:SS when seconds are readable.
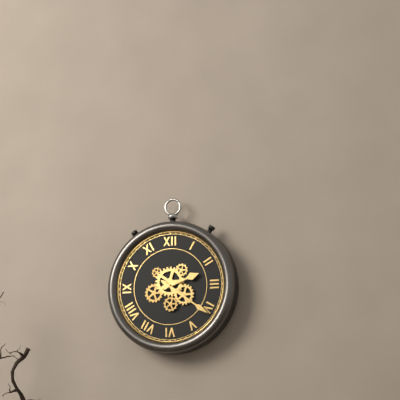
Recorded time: **2:21**
